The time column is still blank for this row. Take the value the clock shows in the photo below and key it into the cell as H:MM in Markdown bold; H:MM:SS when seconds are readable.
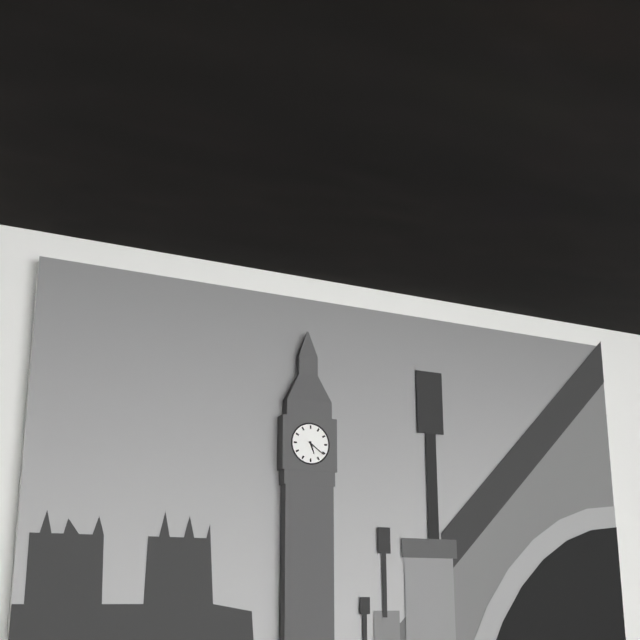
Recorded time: **5:21**
